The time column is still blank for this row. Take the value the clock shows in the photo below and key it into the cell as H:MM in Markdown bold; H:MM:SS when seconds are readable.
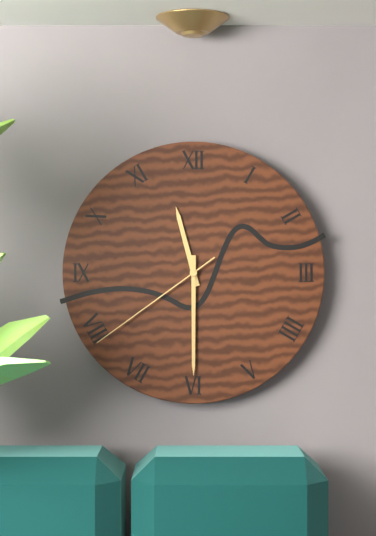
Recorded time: **11:30:39**
